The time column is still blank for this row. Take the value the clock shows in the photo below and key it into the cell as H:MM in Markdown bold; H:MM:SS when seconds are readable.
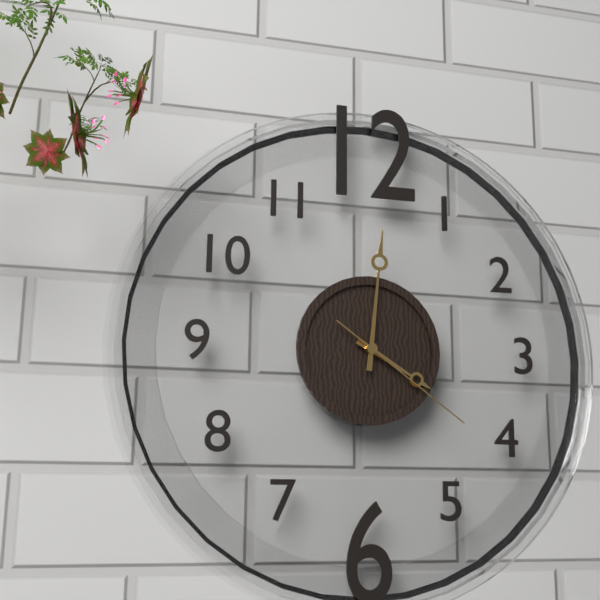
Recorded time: **4:01:21**
